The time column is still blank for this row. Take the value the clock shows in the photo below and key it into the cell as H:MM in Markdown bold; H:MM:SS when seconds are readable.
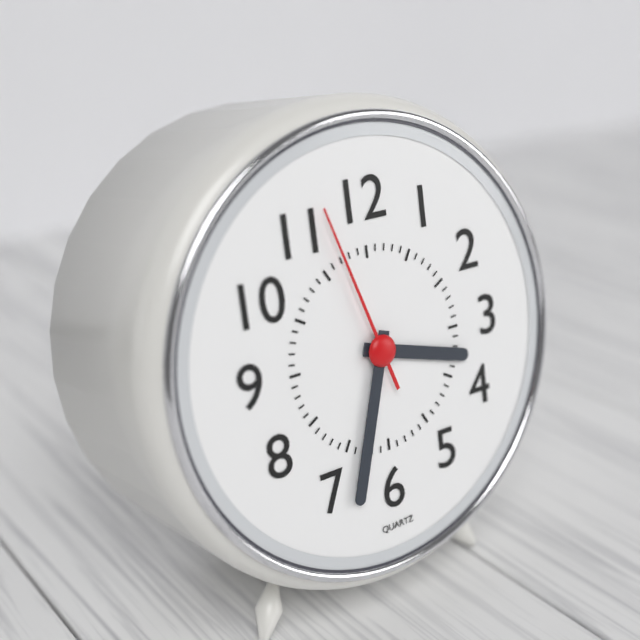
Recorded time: **3:33:57**
